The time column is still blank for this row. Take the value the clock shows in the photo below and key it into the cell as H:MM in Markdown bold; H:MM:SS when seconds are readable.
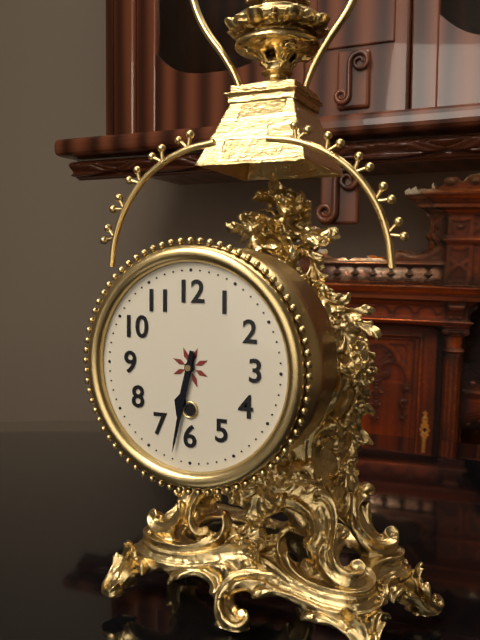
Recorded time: **6:32**
